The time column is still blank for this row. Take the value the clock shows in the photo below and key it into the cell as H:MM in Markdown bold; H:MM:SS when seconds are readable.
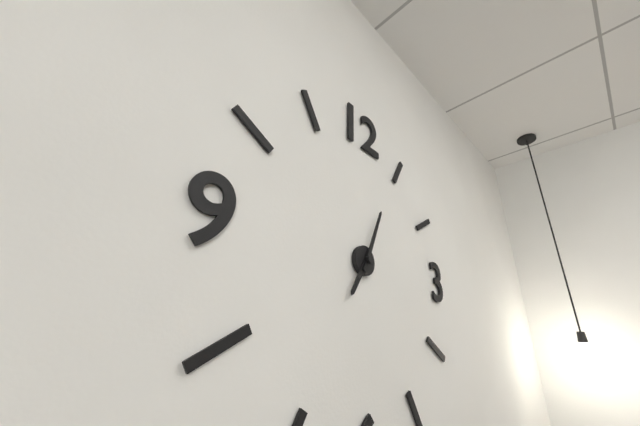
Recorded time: **7:04**
